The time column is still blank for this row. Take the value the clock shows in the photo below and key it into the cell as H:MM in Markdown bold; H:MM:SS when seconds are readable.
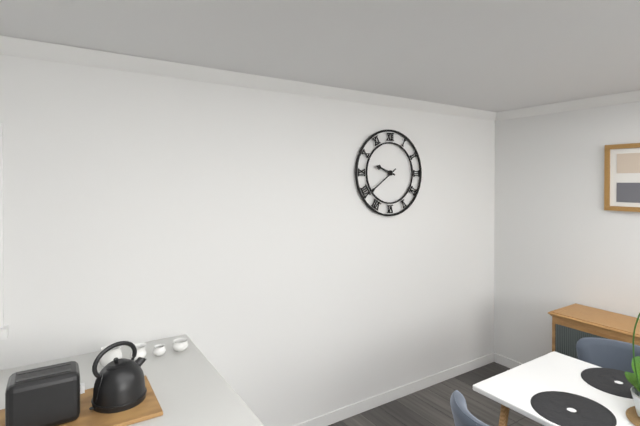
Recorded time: **9:39**
